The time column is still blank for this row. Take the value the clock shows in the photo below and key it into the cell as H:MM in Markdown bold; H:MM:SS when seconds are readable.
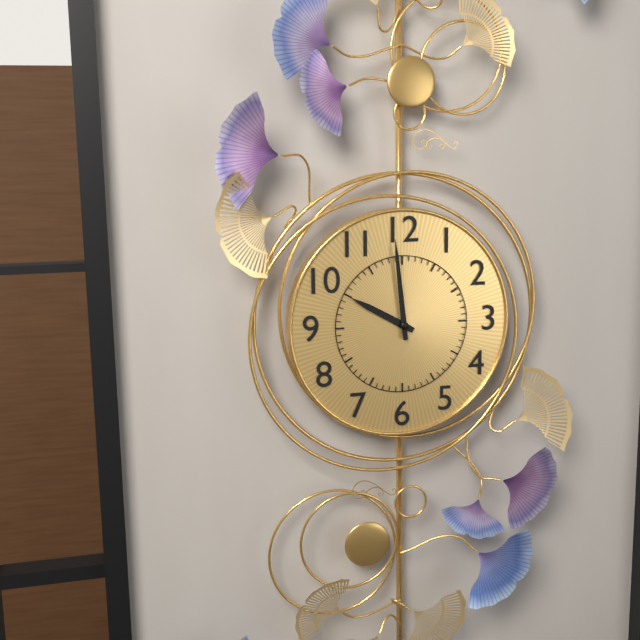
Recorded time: **9:59**
